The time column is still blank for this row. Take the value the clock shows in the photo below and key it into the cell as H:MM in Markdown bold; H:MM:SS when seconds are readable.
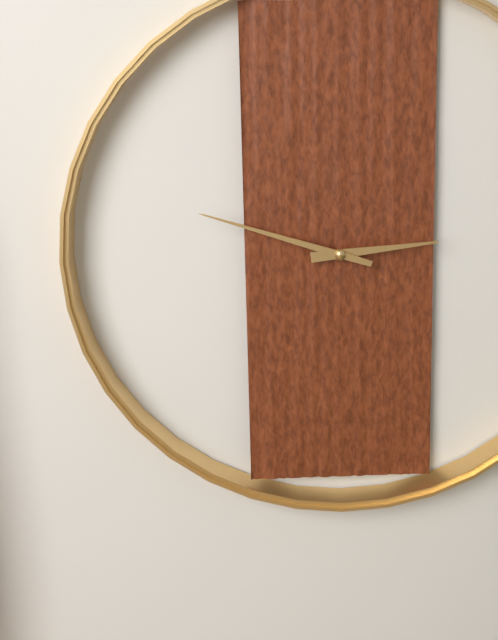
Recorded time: **2:48**
